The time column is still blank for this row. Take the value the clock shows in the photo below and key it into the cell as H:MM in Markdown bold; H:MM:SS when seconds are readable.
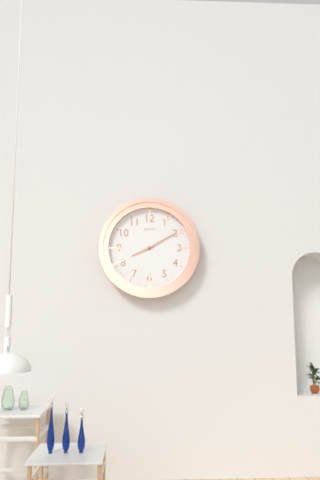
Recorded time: **8:10**
